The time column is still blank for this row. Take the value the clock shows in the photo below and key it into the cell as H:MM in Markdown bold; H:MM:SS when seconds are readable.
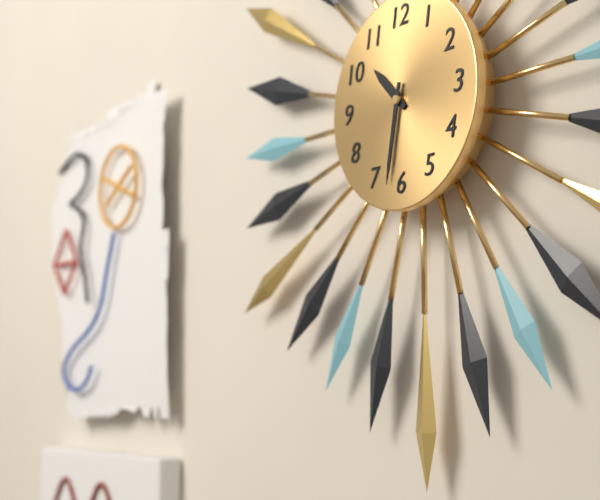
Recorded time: **10:32**
